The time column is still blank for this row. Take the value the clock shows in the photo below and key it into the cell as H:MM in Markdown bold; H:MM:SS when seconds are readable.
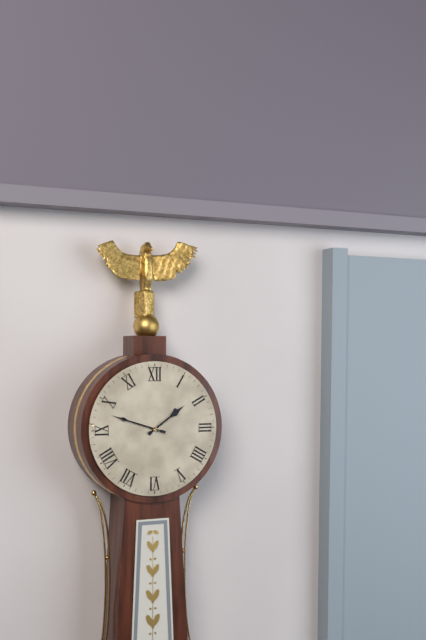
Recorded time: **1:48**
